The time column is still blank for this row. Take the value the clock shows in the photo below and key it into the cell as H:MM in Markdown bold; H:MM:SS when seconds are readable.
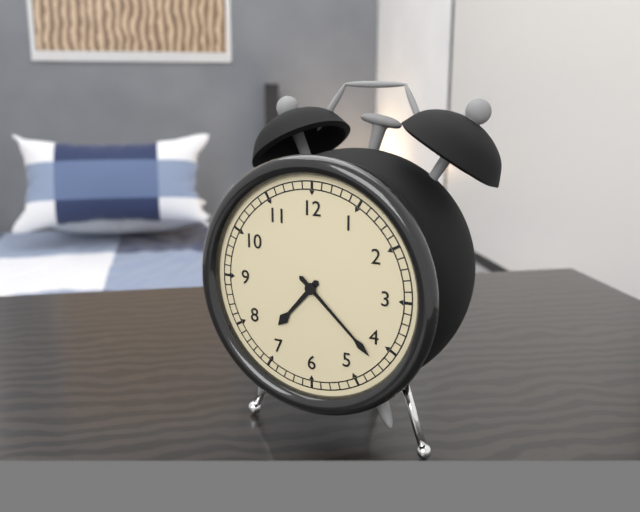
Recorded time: **7:22**
